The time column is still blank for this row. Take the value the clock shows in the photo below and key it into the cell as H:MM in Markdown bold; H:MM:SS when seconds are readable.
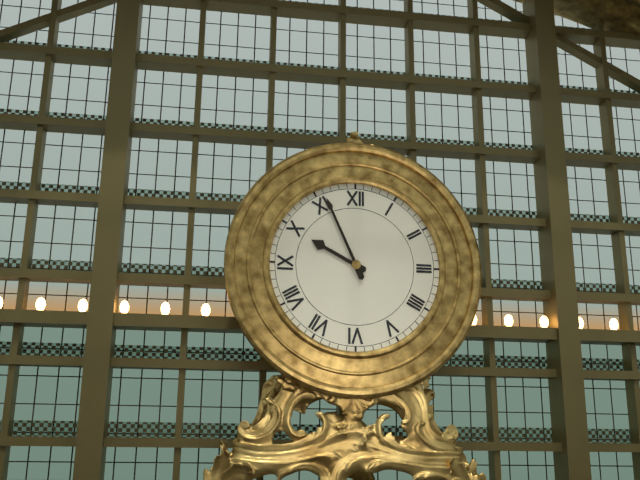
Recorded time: **9:56**
